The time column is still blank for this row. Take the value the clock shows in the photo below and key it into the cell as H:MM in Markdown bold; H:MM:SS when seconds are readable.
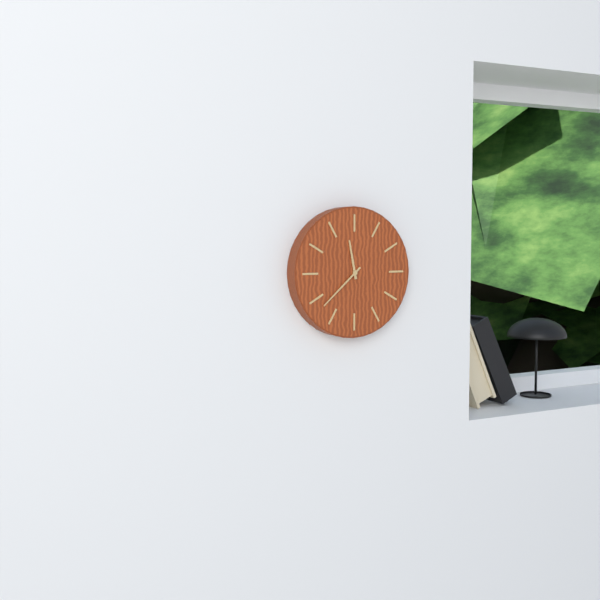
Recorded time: **11:38**
